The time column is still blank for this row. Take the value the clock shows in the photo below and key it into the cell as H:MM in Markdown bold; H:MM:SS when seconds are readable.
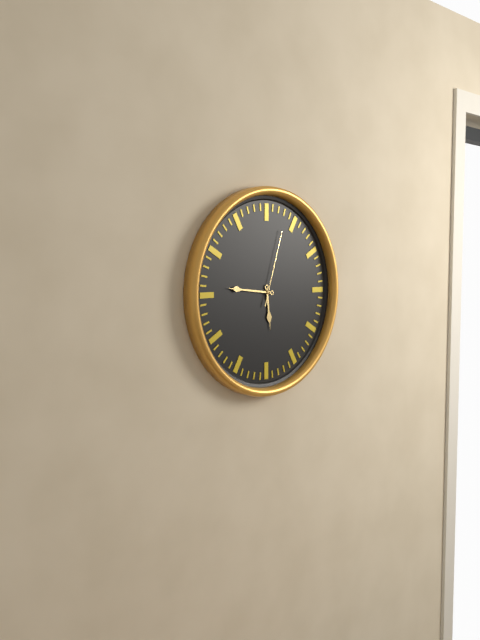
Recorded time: **5:46:03**
